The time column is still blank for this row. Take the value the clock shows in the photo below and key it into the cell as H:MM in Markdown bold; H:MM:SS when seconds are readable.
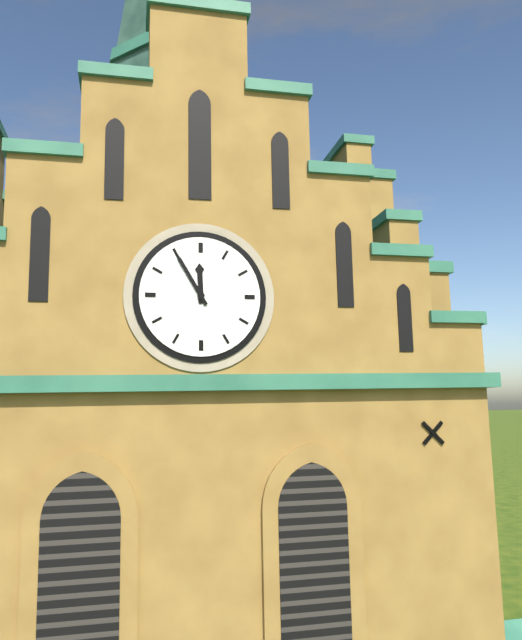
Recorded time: **11:55**
